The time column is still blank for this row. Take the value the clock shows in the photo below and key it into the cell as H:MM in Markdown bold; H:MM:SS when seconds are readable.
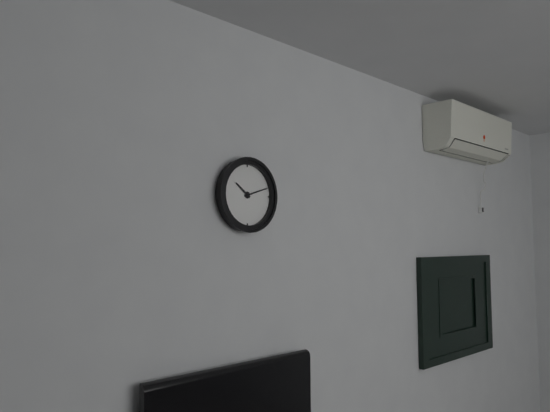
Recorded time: **10:12**
